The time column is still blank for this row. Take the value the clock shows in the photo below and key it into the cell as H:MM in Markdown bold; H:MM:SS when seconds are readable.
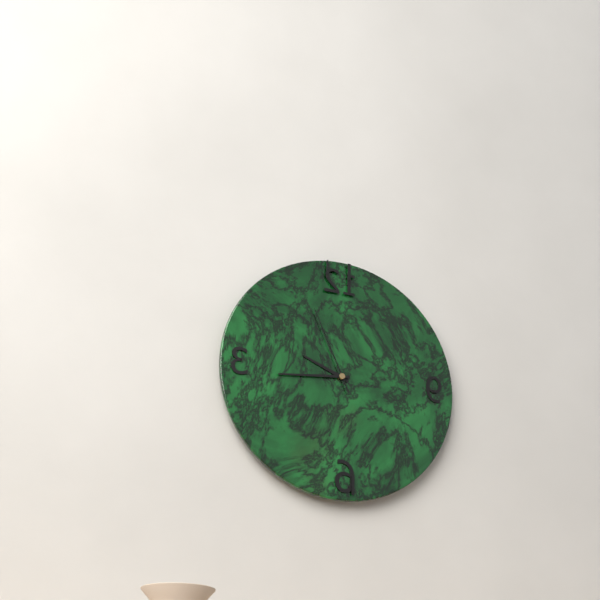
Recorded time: **9:44:56**
